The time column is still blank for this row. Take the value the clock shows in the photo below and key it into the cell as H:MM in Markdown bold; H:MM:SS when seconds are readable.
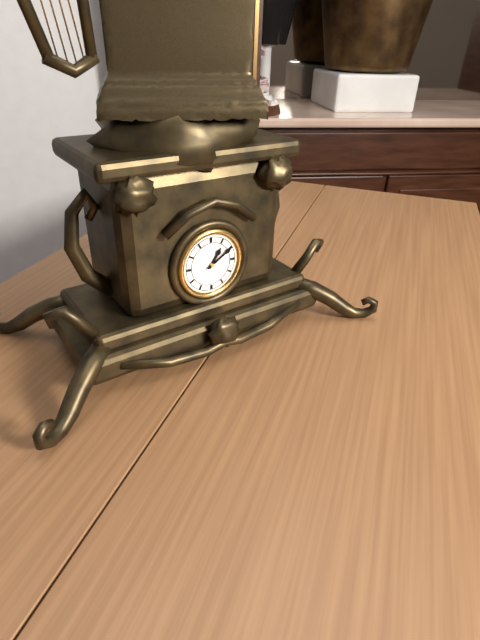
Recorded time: **1:10**
